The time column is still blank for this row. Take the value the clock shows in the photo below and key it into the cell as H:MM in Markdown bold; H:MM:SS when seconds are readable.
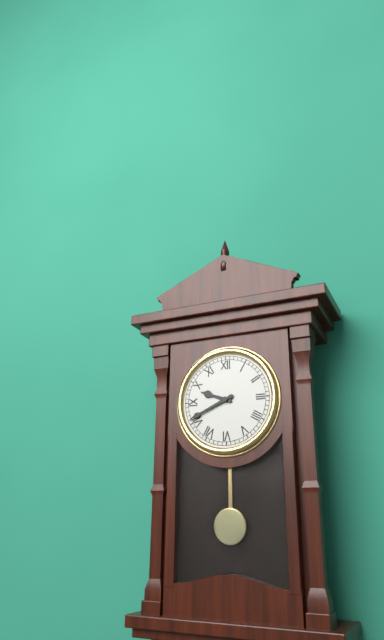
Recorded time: **9:41**
